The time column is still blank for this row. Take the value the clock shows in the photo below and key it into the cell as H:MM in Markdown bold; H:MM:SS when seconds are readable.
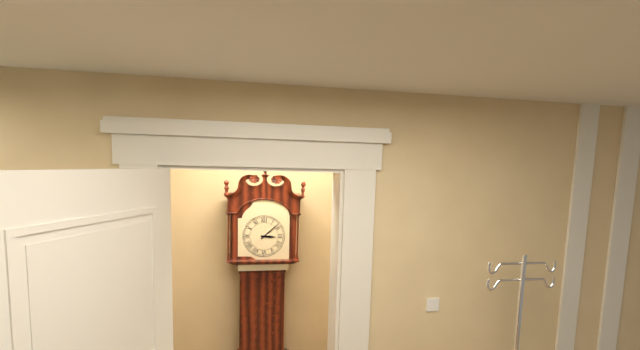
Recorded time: **3:08**
